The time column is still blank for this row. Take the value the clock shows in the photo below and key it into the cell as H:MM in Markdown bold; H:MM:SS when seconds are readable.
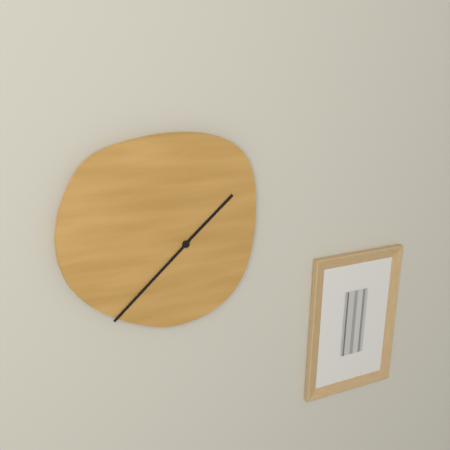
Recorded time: **1:38**
